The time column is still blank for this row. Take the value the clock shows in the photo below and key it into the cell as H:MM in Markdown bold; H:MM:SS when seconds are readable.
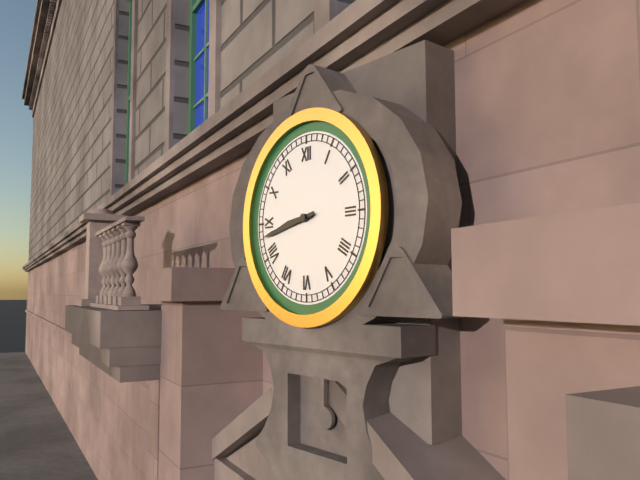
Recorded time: **8:43**
